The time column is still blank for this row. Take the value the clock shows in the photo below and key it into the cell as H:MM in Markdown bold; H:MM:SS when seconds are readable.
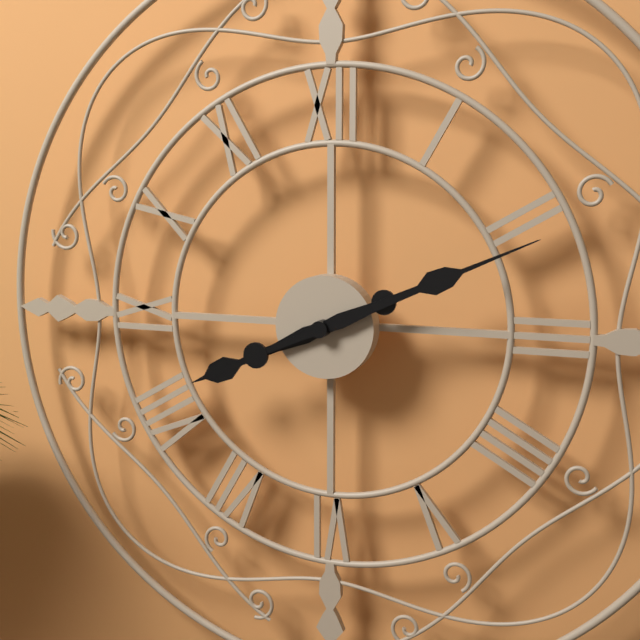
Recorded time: **8:11**
